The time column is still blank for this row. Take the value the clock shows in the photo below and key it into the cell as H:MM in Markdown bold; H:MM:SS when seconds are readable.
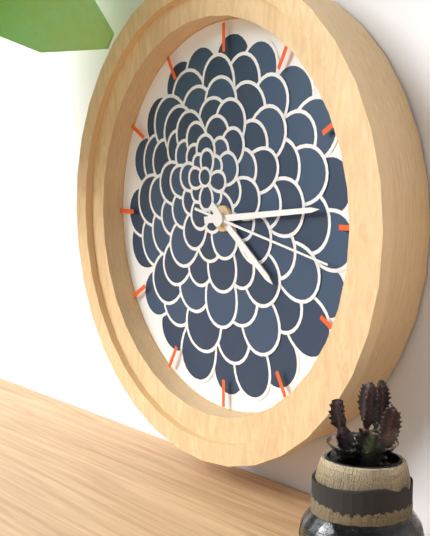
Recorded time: **4:14:17**
